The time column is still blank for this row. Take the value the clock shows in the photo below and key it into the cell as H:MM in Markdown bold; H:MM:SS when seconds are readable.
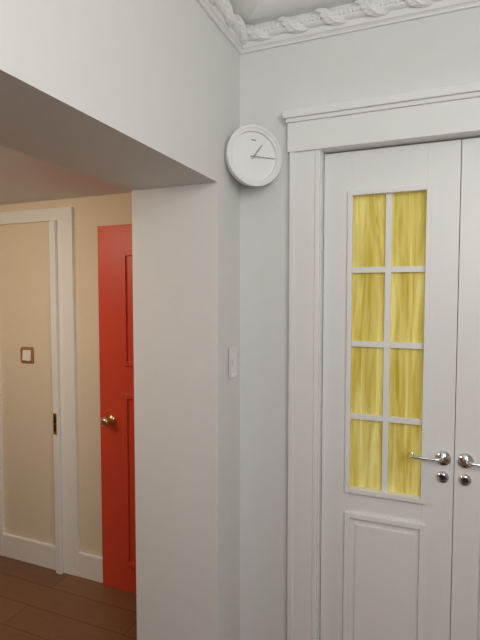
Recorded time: **1:15**
